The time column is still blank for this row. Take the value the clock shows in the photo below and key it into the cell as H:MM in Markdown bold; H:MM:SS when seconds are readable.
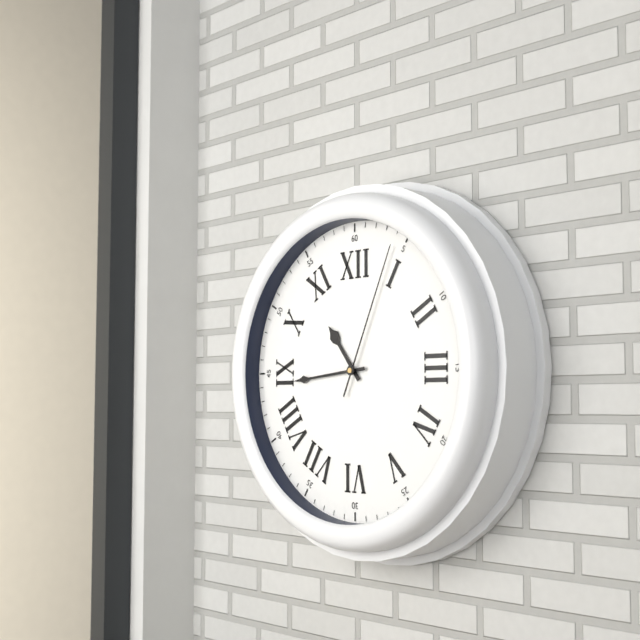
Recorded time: **10:44:04**
